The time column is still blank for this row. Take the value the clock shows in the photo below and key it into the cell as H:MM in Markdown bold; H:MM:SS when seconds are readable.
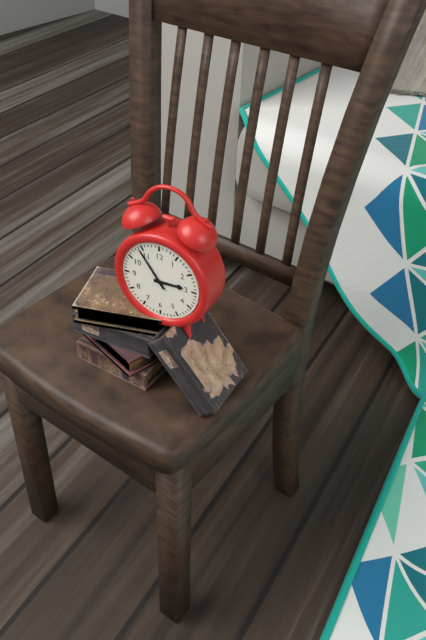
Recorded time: **2:54**
